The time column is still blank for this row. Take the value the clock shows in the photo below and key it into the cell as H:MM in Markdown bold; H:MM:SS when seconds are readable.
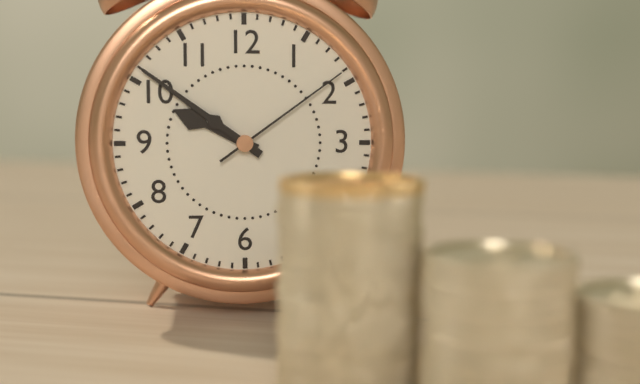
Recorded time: **9:51:09**
